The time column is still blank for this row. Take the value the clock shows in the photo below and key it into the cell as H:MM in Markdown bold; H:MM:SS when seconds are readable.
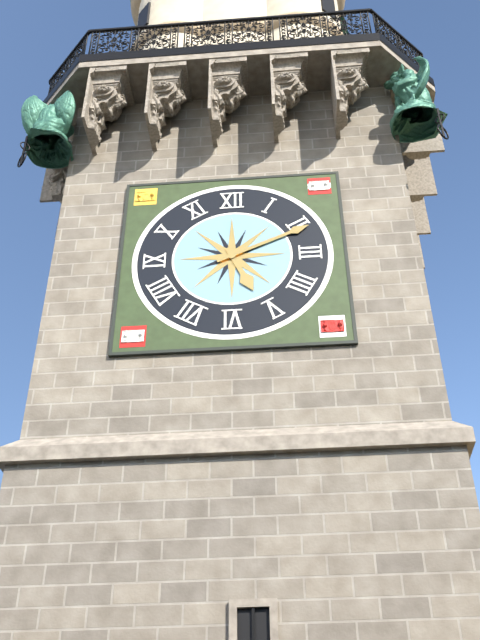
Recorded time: **5:11**
